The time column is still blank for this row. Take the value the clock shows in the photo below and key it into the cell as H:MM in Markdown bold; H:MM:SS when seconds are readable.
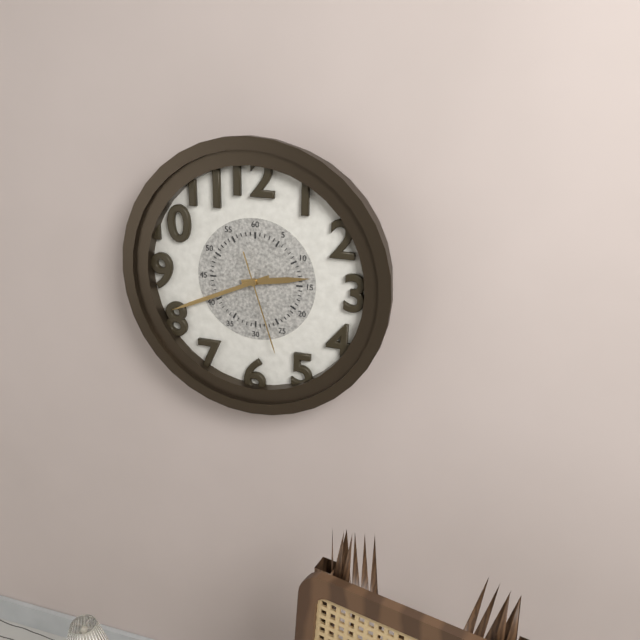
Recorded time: **2:41:27**
